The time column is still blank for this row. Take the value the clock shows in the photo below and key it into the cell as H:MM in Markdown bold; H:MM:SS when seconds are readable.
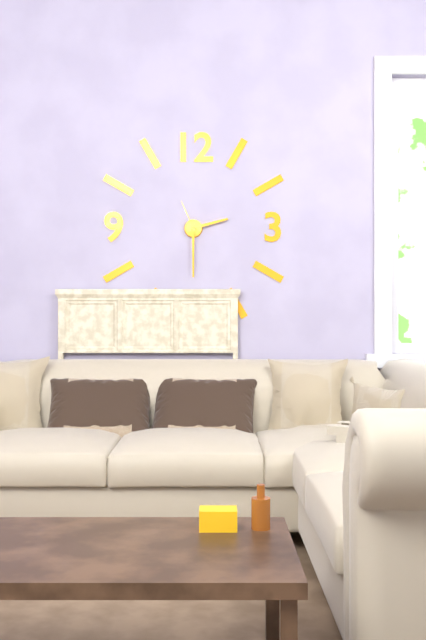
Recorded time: **2:30**
